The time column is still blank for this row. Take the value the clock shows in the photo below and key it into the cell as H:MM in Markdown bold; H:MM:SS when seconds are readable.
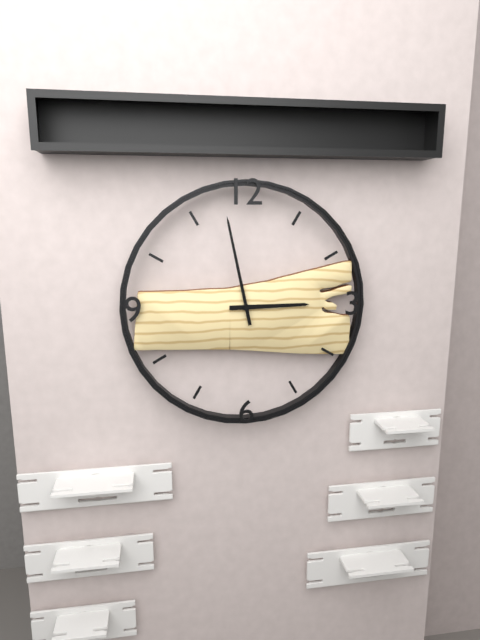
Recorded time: **2:58**
